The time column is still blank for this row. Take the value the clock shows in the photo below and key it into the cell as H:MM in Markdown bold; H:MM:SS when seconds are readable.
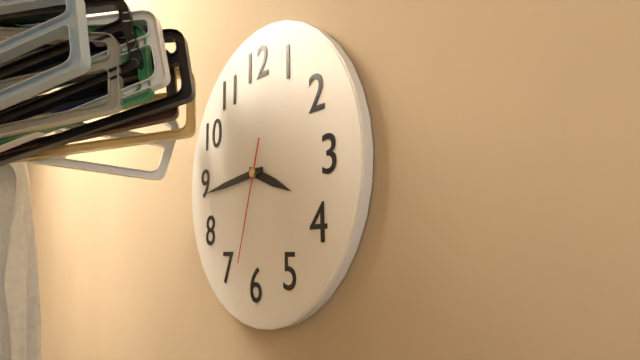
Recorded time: **3:44:33**
